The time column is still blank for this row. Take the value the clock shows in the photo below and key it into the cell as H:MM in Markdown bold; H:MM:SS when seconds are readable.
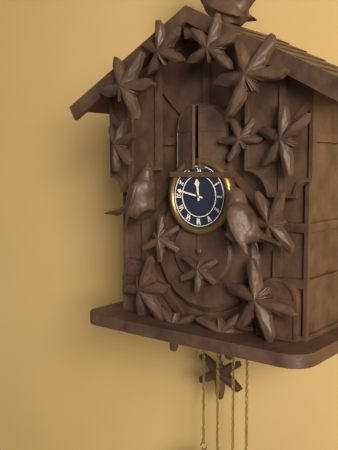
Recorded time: **11:47**
